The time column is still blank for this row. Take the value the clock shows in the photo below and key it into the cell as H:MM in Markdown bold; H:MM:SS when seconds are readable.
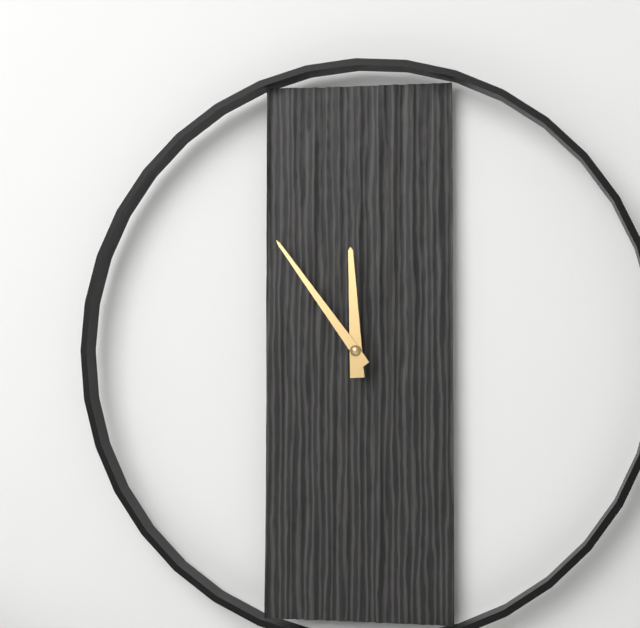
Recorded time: **11:54**
